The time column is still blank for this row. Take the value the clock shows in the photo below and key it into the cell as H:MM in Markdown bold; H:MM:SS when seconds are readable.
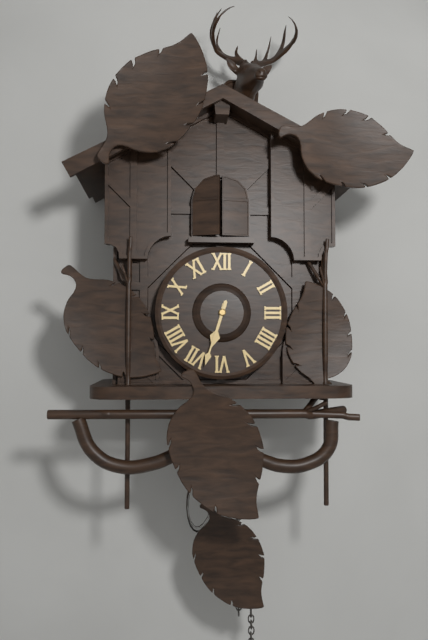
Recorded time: **6:33**
